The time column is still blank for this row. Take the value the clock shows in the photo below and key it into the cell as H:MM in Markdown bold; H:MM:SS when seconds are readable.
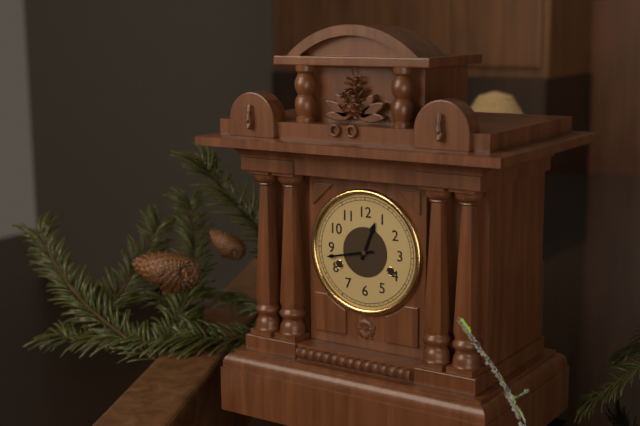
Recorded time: **12:43**
